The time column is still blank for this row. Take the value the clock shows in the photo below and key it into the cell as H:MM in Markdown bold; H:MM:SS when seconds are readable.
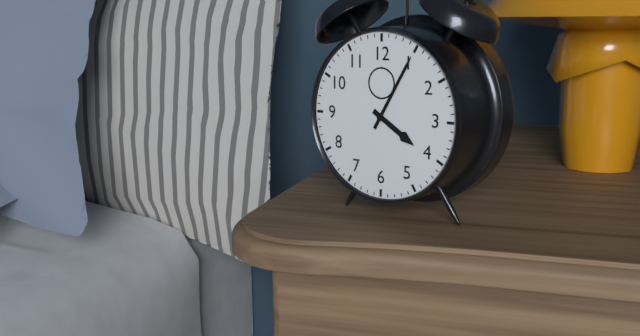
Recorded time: **4:05**
